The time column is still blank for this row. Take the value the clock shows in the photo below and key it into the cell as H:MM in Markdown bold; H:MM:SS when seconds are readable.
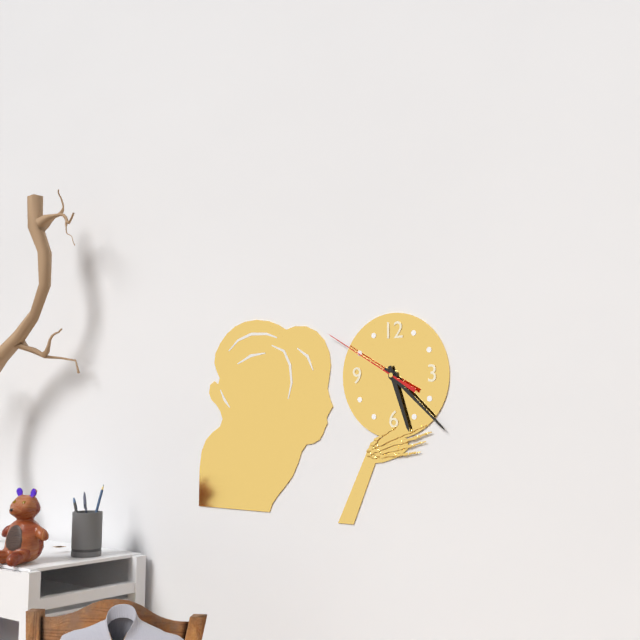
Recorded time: **5:22:50**
